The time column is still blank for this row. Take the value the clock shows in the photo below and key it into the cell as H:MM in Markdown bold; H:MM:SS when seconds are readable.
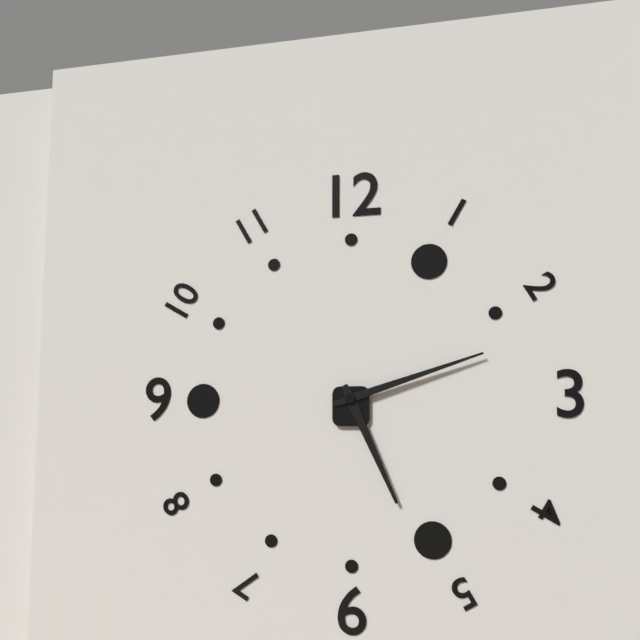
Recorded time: **5:12**
